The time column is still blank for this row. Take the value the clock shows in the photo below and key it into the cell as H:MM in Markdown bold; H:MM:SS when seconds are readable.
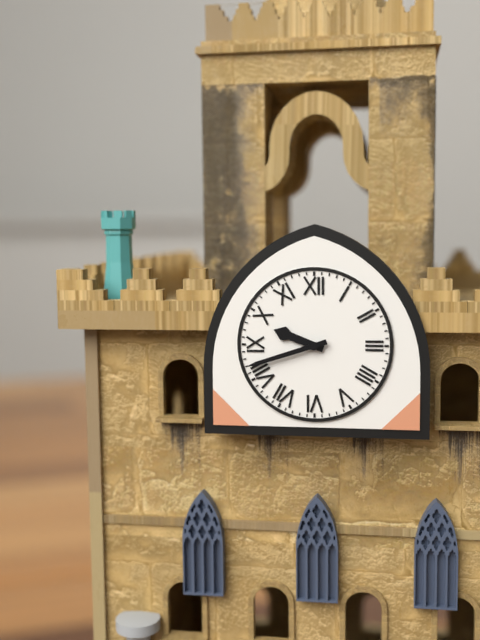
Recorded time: **9:42**
